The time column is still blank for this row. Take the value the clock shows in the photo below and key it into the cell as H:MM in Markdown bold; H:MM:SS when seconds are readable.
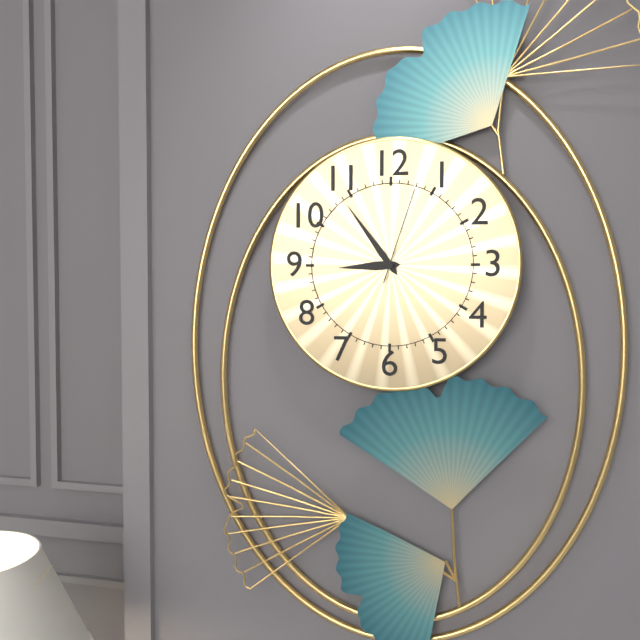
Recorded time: **8:54:03**
